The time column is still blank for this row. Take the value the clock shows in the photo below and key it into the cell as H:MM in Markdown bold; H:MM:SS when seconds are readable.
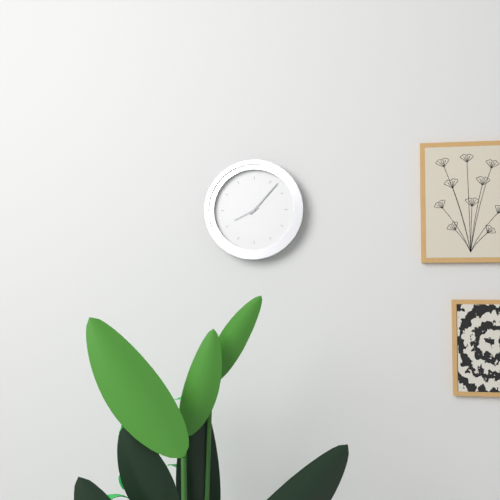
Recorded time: **8:07**
